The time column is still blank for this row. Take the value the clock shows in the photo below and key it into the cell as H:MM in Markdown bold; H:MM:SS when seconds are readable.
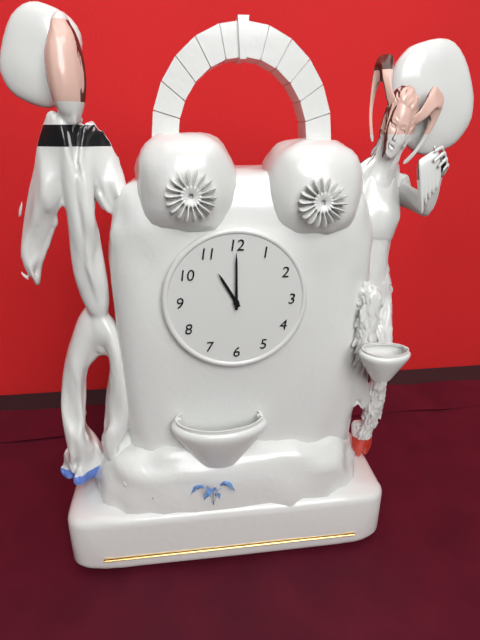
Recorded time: **11:00**
